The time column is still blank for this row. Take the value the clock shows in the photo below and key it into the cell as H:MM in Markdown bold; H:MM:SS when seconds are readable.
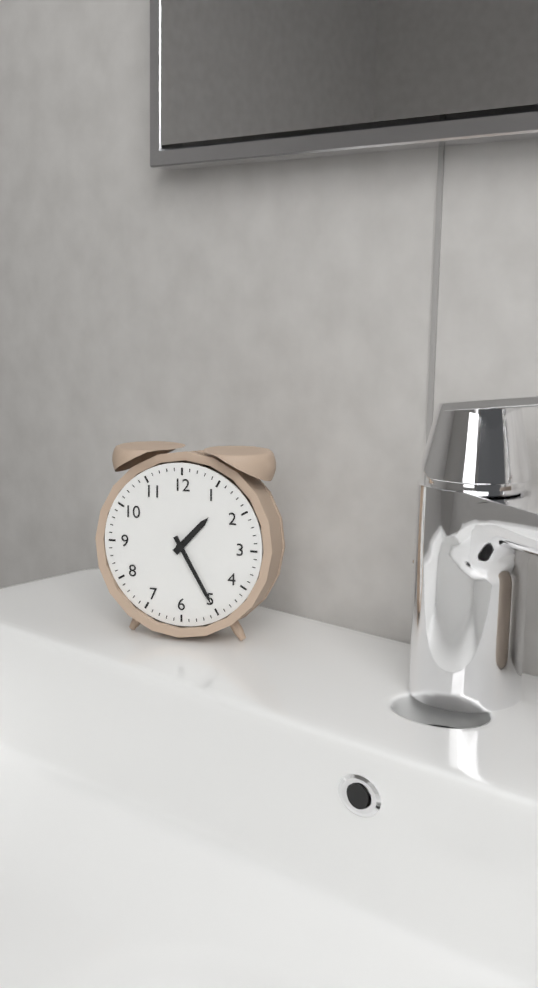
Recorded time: **1:25**
